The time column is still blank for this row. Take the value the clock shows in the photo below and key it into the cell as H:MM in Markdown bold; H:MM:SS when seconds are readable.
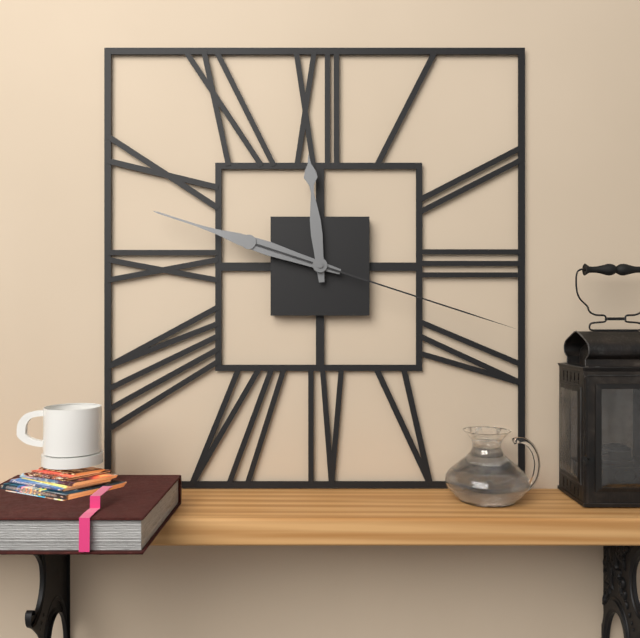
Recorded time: **11:48:18**
